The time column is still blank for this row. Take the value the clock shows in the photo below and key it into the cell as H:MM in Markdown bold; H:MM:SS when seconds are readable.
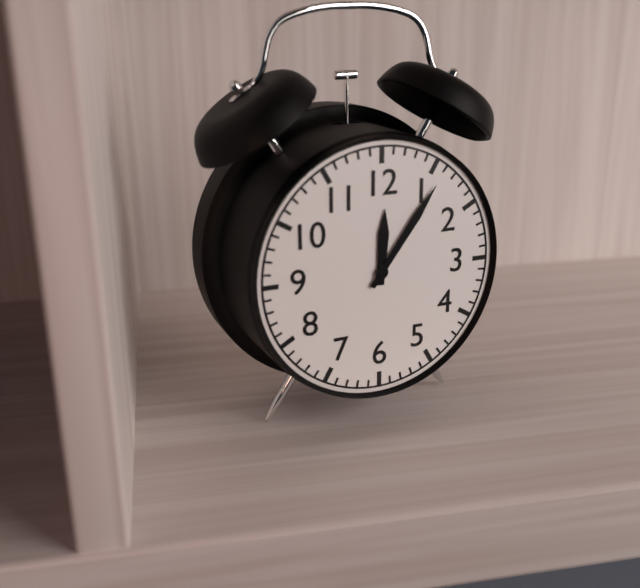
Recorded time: **12:06**
